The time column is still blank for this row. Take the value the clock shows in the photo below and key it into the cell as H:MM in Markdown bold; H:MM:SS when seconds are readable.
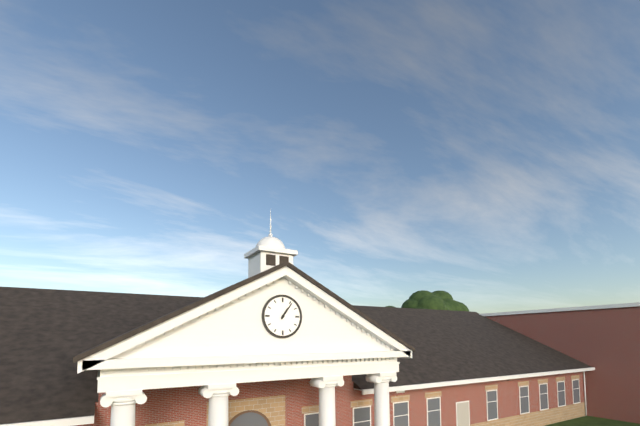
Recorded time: **1:06**
